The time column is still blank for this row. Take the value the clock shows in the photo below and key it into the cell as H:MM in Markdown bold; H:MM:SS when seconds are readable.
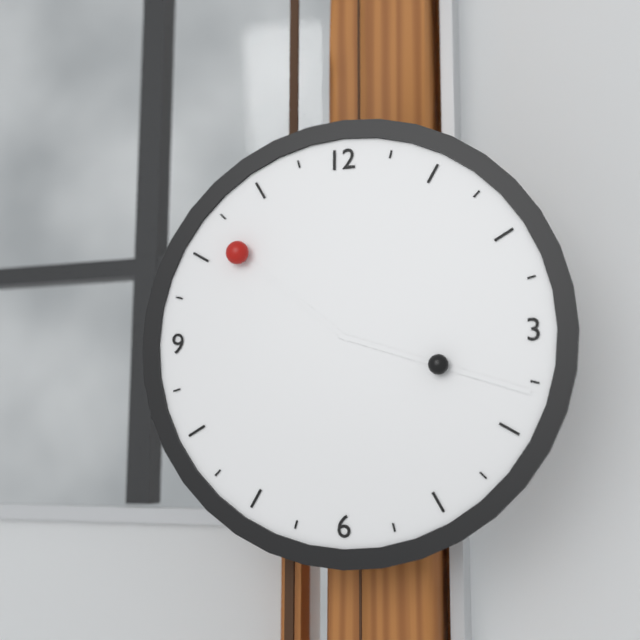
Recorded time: **10:18**
